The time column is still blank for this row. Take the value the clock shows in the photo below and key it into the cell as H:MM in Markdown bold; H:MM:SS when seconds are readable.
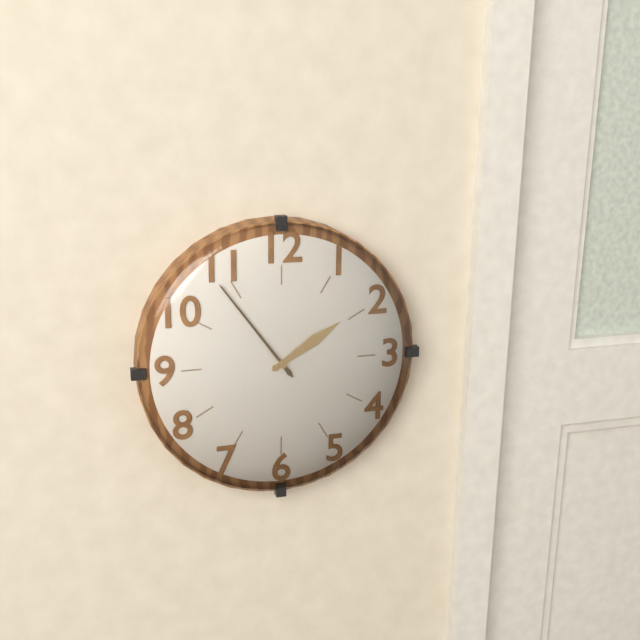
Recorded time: **1:54**
